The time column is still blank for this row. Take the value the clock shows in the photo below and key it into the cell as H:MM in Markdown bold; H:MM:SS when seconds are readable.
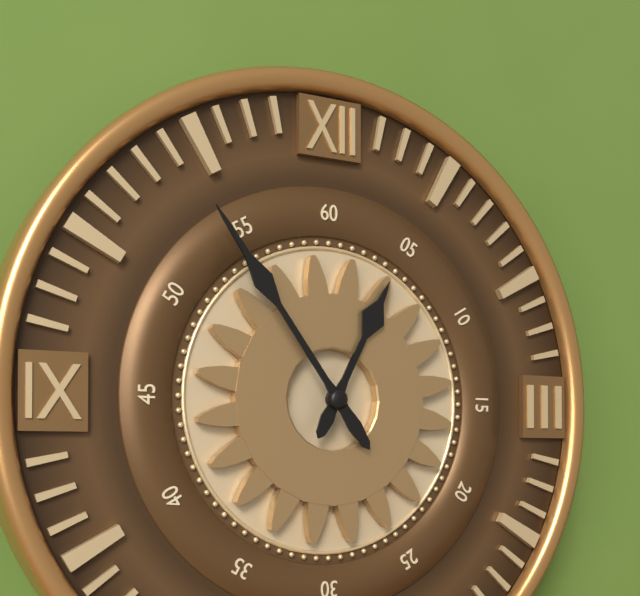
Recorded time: **12:54**
